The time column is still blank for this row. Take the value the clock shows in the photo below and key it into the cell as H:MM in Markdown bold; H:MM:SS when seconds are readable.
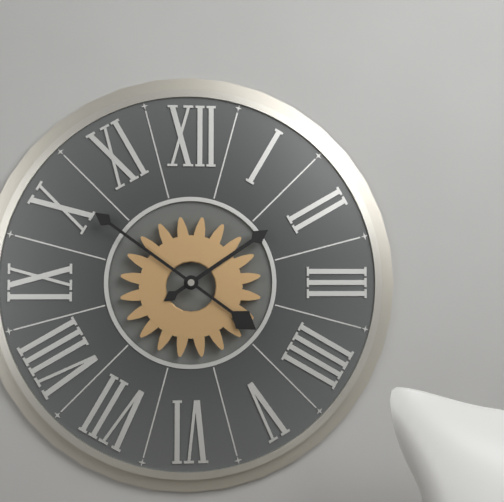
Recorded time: **1:51**
